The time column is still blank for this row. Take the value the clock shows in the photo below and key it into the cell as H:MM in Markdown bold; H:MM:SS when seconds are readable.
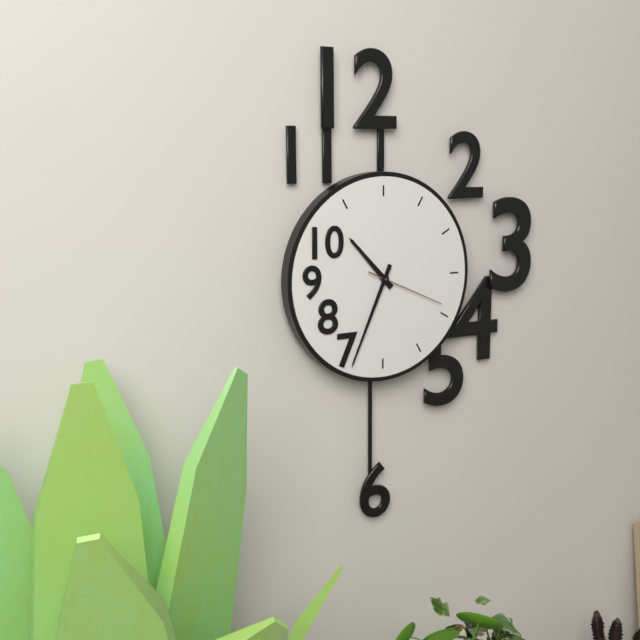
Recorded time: **10:34:19**
